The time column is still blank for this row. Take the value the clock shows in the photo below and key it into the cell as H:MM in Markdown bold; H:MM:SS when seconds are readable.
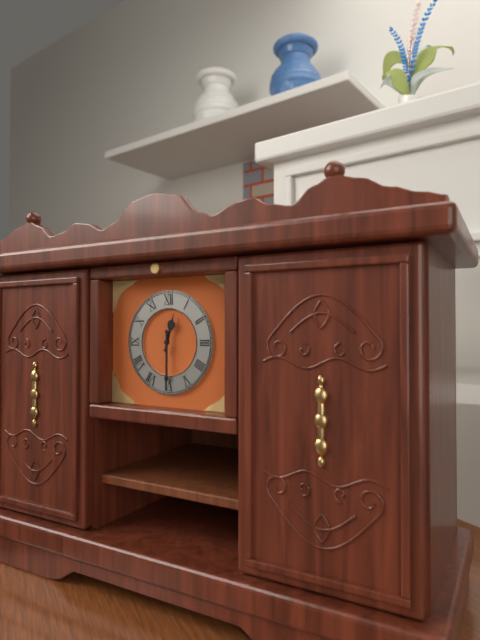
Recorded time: **12:30**
